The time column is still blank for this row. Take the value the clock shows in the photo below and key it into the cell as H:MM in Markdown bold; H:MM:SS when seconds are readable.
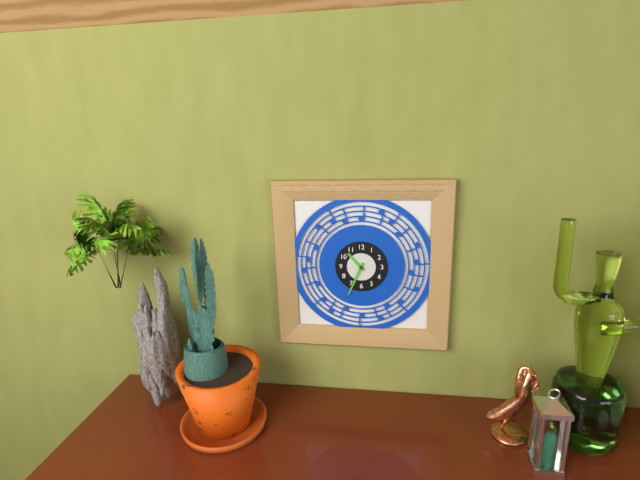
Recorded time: **10:34**
